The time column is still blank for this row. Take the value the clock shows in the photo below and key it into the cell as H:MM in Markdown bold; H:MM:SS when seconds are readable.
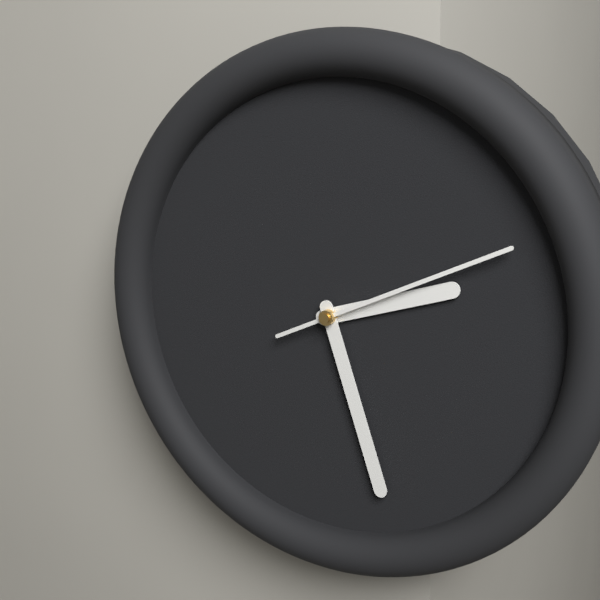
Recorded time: **2:27:11**
